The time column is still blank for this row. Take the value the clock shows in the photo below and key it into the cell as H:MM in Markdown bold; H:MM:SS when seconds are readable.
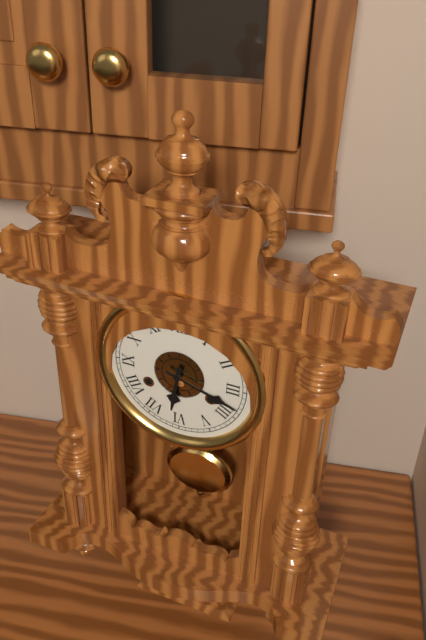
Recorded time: **6:18**
